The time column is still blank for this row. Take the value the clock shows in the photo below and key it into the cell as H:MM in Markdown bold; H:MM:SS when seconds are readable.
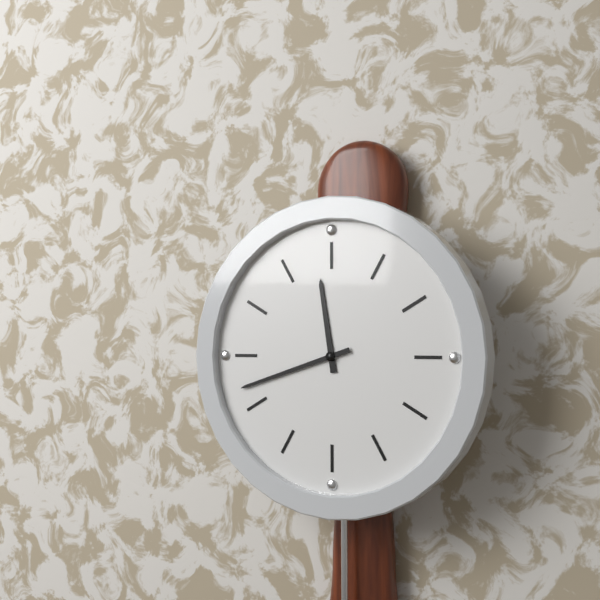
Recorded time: **11:42**
